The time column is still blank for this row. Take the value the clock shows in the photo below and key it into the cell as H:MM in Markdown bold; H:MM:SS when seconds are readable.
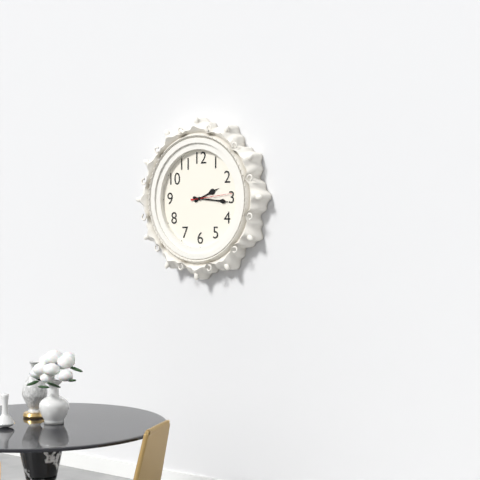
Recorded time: **2:16**
